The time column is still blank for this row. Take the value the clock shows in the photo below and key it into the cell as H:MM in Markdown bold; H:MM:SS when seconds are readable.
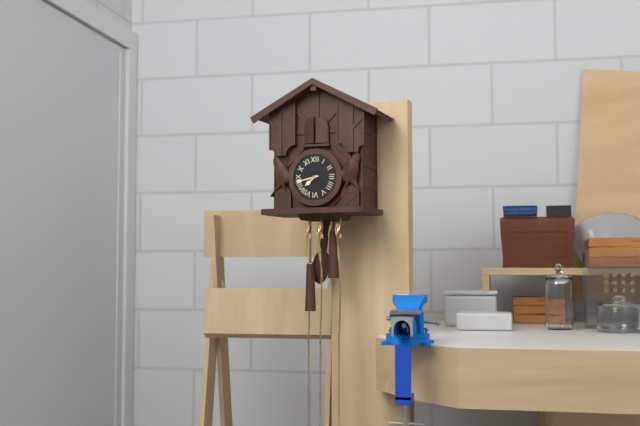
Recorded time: **7:43**
